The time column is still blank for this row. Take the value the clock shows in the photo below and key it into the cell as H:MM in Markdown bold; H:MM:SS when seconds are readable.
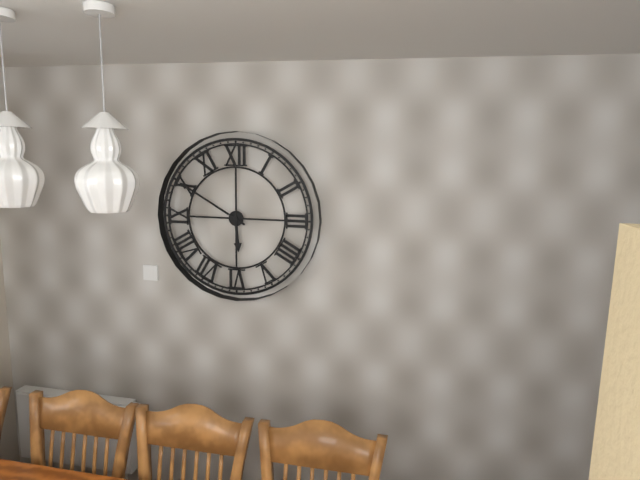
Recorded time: **5:50**
